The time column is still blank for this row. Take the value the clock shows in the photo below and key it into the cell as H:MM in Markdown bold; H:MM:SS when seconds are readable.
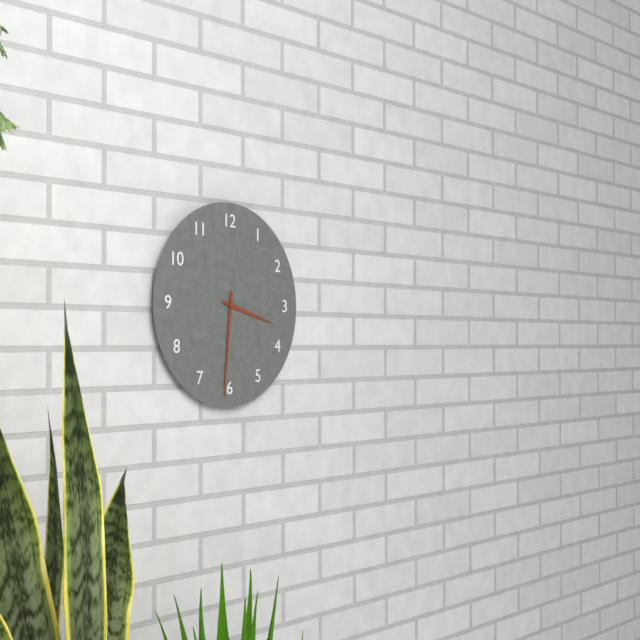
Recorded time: **3:31**
